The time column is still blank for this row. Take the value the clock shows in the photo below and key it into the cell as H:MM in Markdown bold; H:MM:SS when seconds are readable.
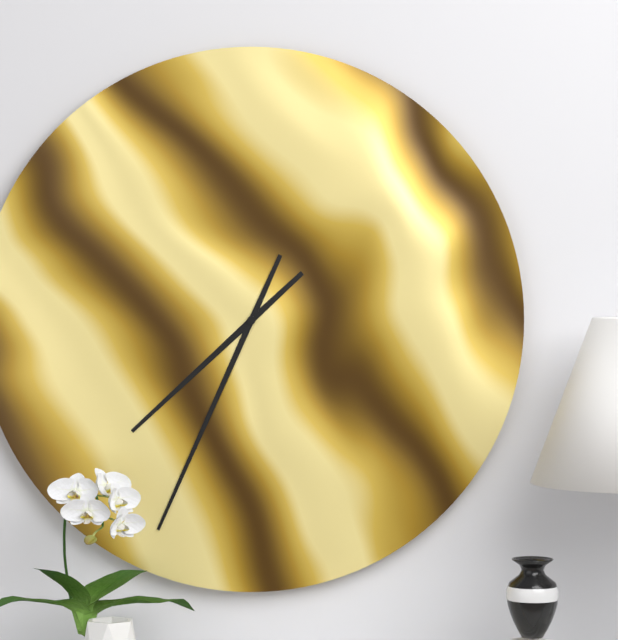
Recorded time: **7:34**
